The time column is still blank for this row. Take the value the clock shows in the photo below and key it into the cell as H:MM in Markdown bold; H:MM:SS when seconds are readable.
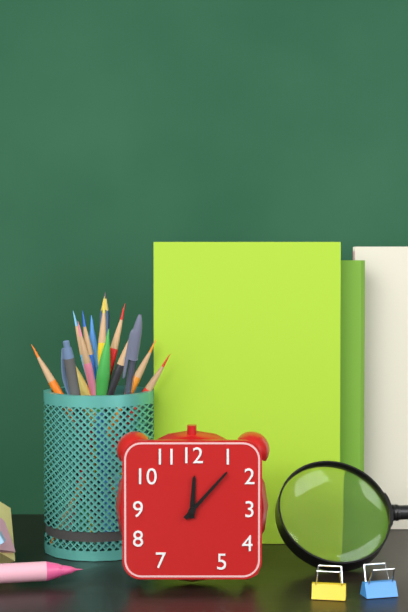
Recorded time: **12:07**
